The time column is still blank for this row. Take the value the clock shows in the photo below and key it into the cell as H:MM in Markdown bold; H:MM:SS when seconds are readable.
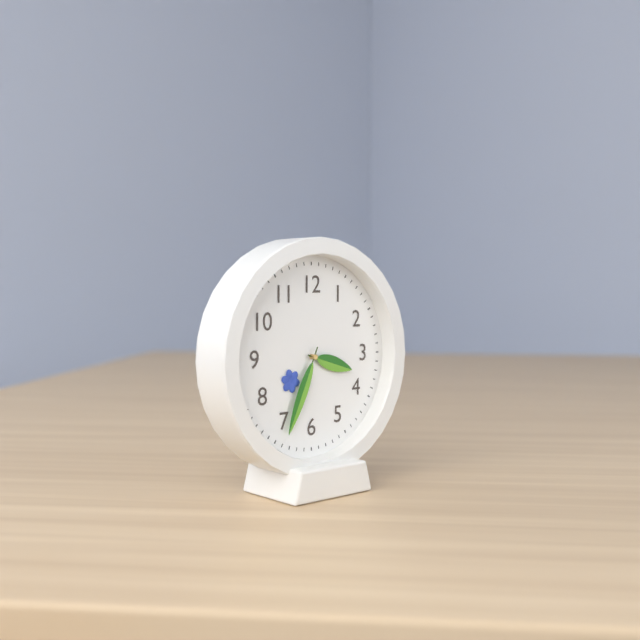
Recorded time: **3:34**
